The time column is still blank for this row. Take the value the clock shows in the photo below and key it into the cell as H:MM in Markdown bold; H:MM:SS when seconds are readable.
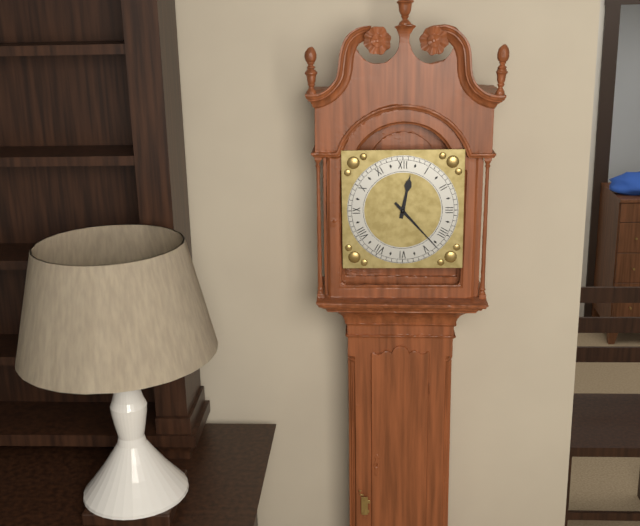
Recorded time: **12:23**
